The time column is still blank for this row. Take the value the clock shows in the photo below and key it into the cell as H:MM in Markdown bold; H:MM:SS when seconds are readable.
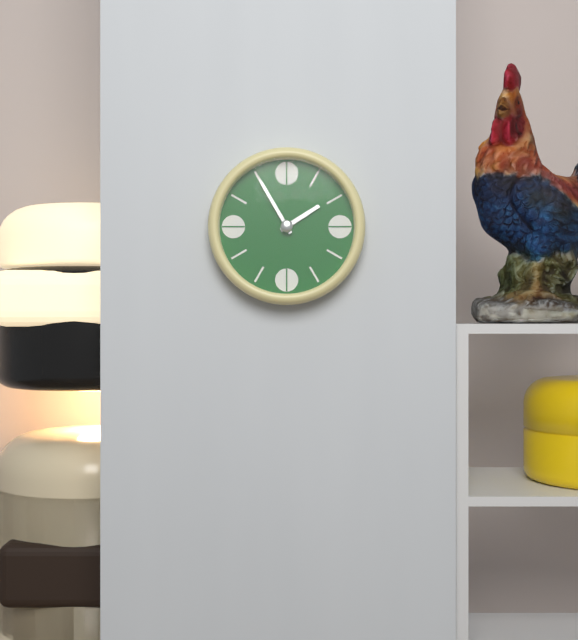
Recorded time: **1:55**
